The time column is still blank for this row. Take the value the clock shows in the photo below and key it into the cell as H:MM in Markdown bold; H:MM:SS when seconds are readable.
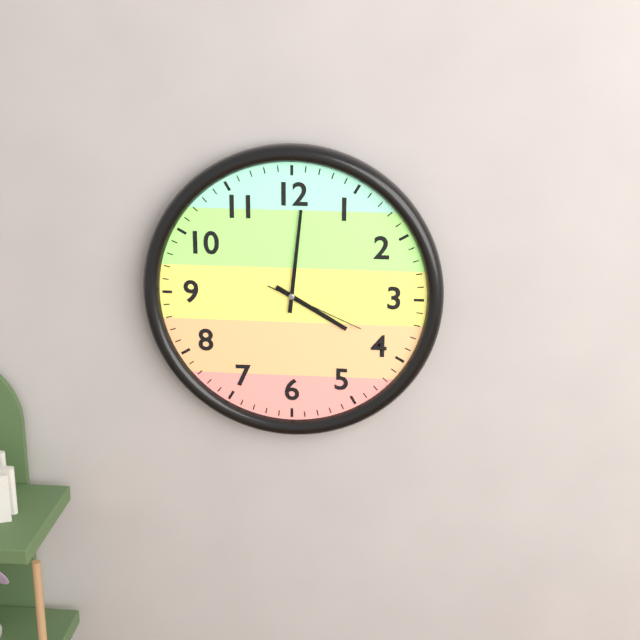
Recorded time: **4:01:19**
